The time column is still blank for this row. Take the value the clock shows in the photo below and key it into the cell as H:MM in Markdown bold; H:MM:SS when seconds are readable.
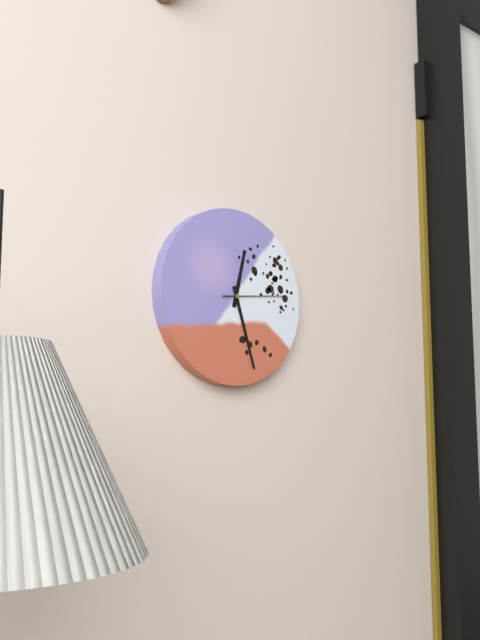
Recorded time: **12:27:14**
